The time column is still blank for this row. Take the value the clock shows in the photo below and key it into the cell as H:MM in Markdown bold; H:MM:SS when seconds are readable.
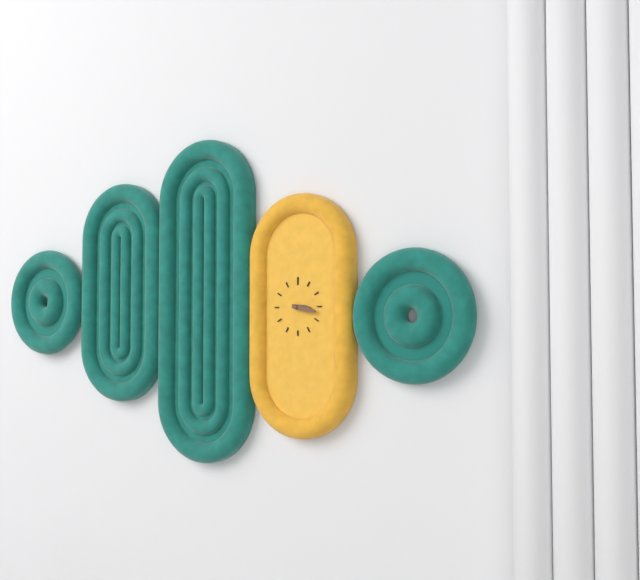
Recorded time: **3:17**
